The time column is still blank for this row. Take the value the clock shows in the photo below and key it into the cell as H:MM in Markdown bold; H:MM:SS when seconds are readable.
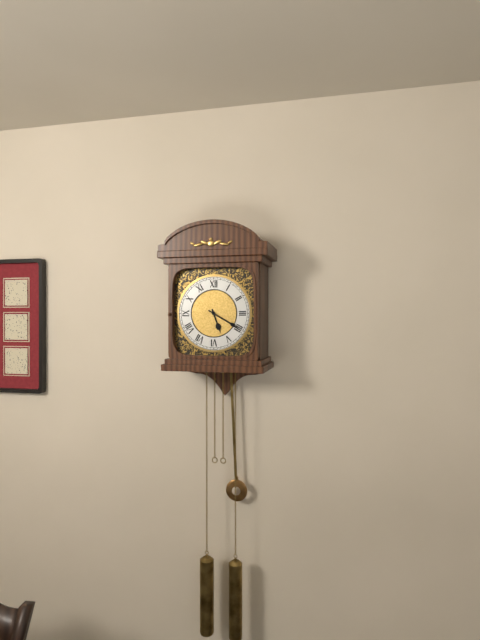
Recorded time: **5:20**
